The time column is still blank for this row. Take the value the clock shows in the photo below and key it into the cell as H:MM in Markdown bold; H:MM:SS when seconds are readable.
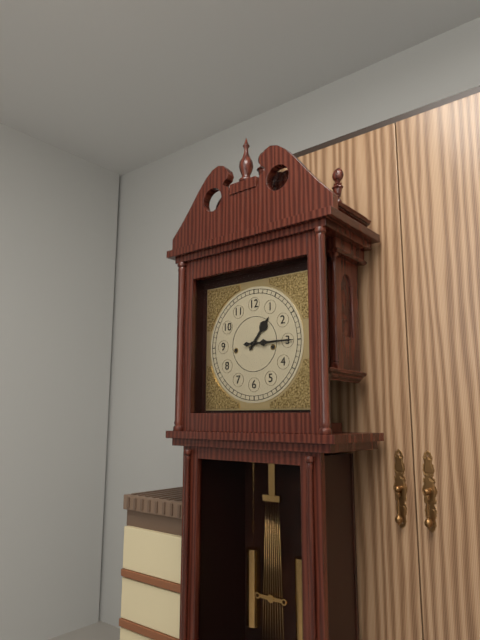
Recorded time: **1:15**
